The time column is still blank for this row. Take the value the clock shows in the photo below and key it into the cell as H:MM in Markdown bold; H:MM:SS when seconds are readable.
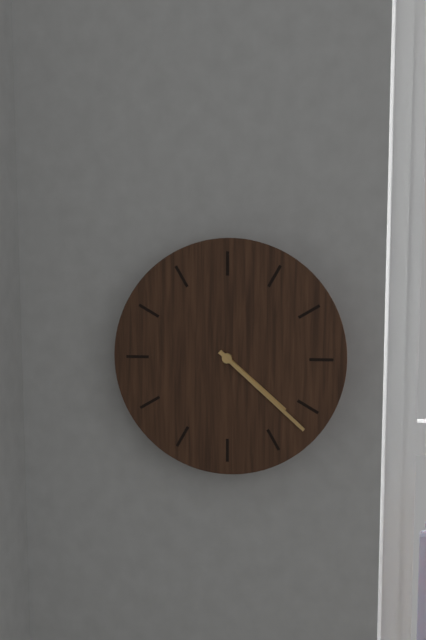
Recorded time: **4:22**
